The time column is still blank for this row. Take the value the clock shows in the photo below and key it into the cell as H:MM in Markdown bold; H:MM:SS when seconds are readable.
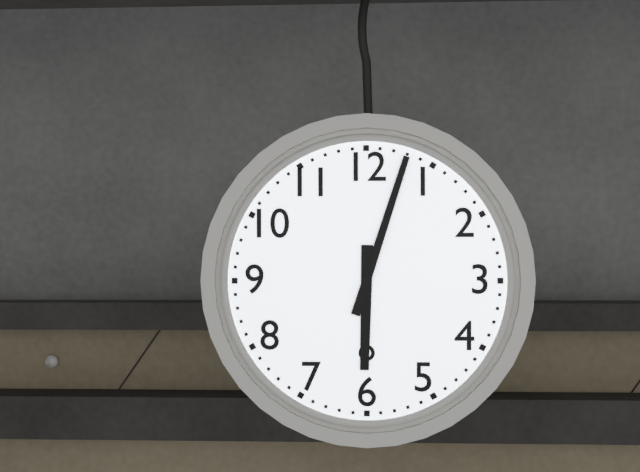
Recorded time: **6:03**
